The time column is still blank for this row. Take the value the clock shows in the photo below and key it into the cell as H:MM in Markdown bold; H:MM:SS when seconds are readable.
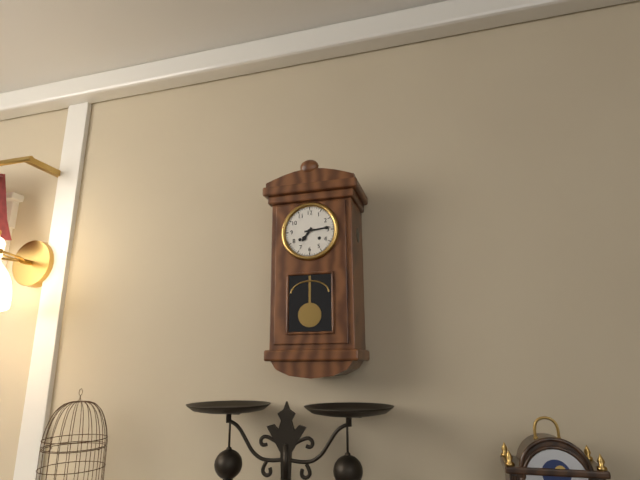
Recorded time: **7:14**
